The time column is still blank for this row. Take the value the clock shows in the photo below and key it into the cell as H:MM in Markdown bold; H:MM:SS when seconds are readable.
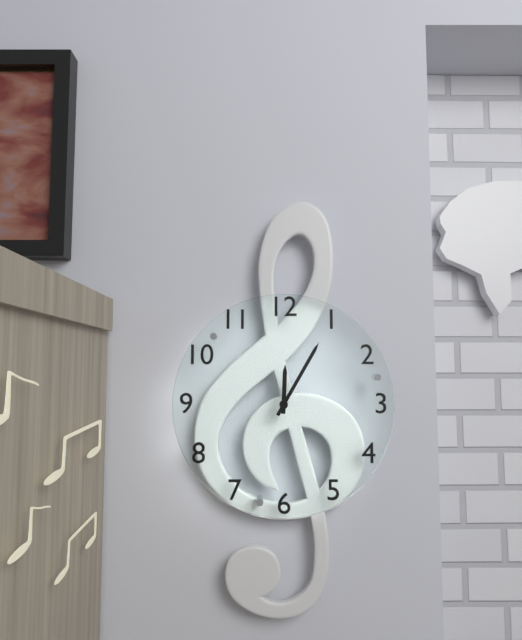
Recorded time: **12:05**
